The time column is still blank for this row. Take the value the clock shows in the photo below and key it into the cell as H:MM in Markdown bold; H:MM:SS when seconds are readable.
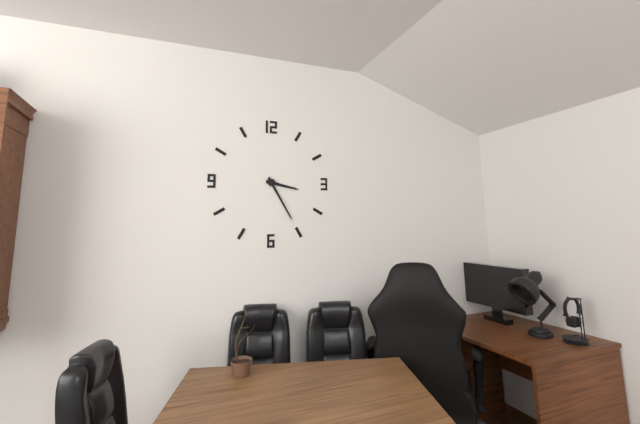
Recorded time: **3:25**
